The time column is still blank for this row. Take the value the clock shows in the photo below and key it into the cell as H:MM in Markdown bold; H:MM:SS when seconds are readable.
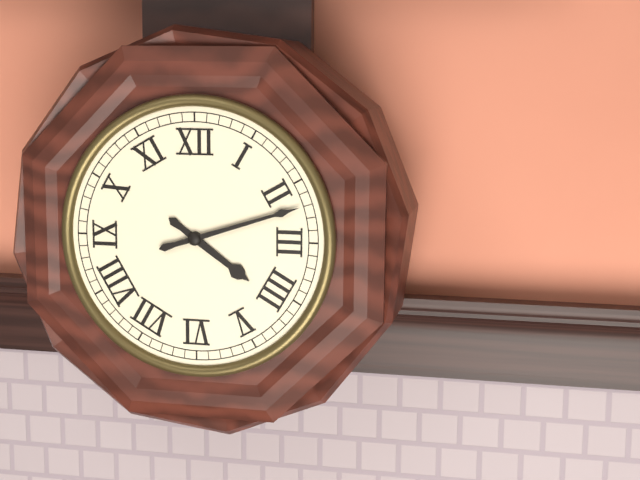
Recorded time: **4:12**
